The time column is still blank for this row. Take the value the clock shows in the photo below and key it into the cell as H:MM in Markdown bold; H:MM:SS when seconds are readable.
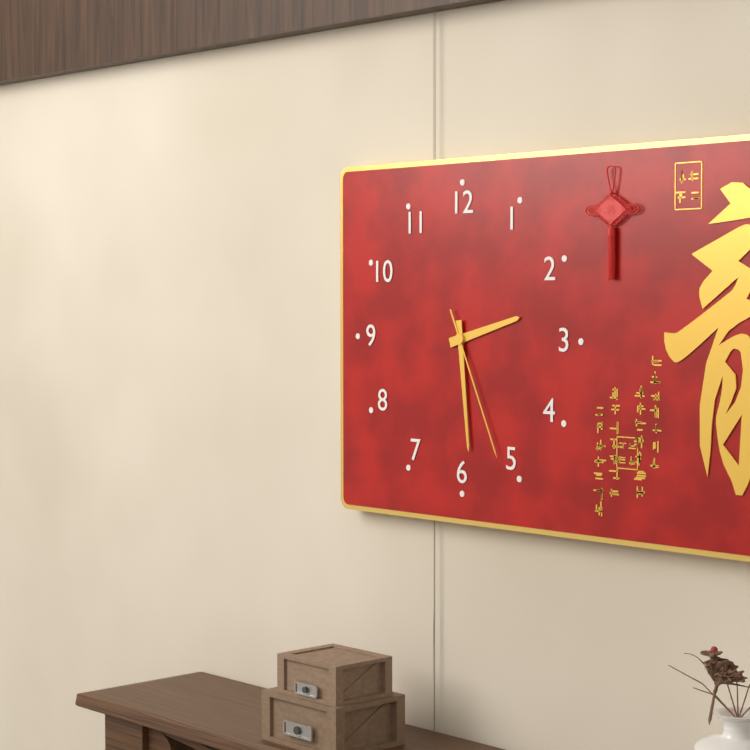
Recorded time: **2:29:26**
